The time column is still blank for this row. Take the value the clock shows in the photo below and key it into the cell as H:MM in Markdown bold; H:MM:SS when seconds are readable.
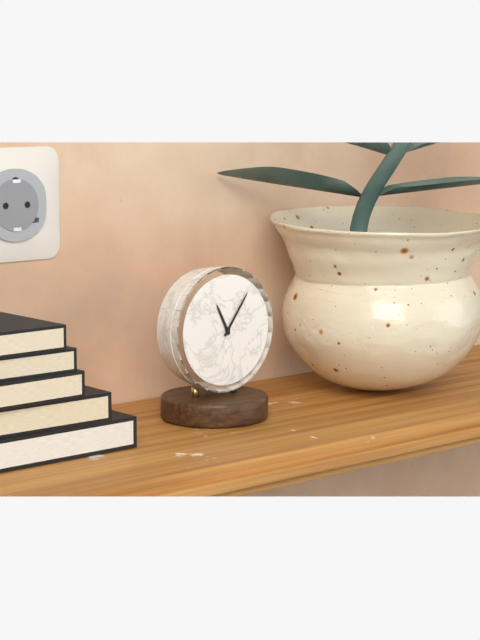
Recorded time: **11:06**
